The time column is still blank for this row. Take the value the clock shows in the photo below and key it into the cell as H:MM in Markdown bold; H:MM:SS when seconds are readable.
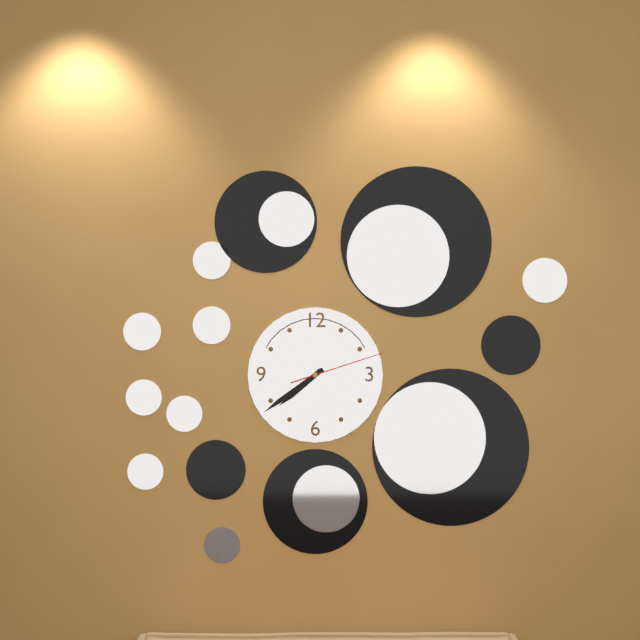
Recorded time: **7:39:12**
